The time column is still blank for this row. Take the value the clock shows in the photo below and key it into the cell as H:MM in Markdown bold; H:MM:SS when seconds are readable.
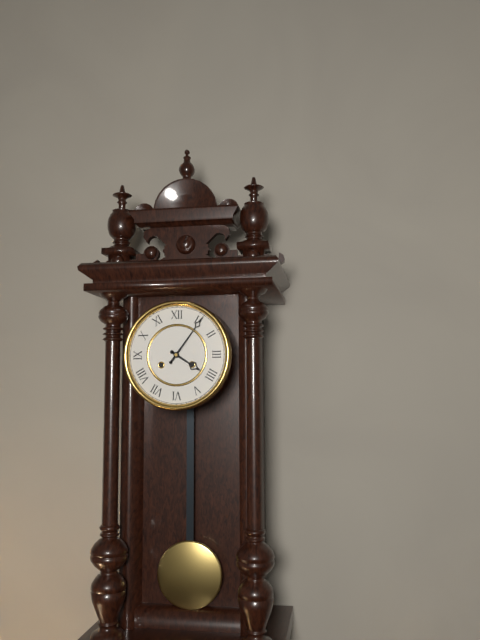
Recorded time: **4:06**
